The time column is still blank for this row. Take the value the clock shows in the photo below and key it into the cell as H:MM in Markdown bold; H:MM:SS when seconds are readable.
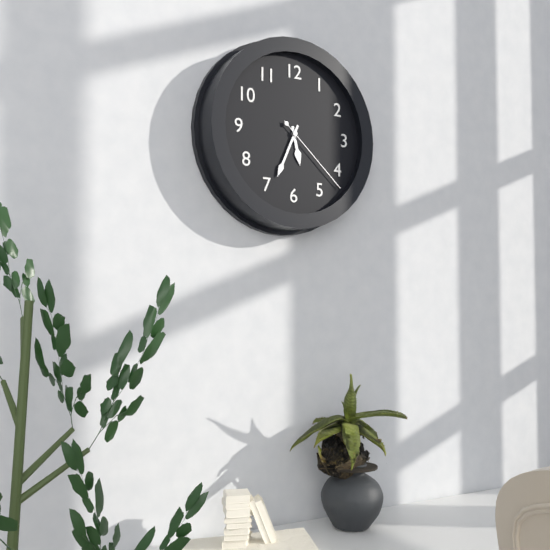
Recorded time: **5:34:22**
